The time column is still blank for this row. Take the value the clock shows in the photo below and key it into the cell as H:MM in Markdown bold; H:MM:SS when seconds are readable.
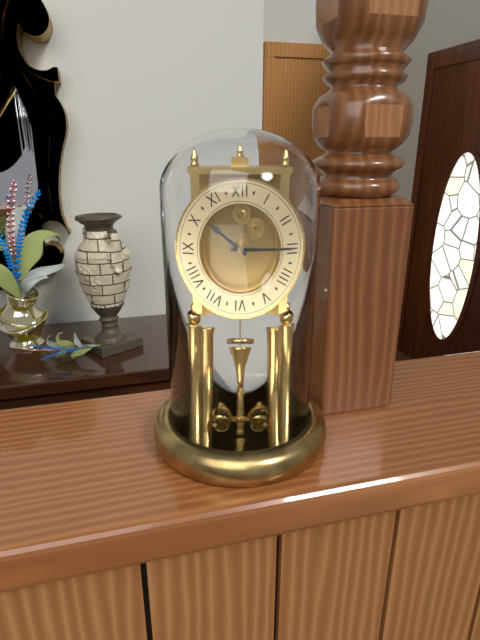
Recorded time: **10:15**
